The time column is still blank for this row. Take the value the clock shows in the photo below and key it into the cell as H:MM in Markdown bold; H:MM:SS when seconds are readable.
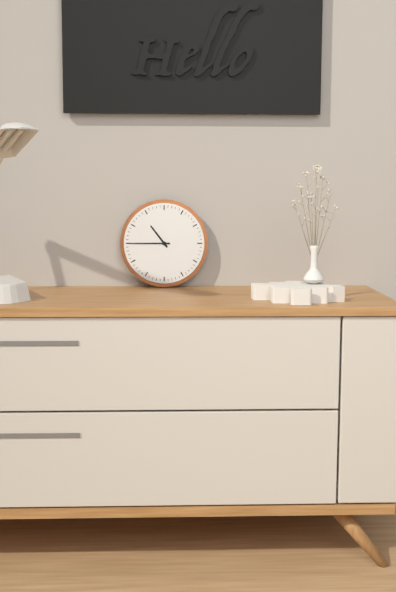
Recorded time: **10:45**
